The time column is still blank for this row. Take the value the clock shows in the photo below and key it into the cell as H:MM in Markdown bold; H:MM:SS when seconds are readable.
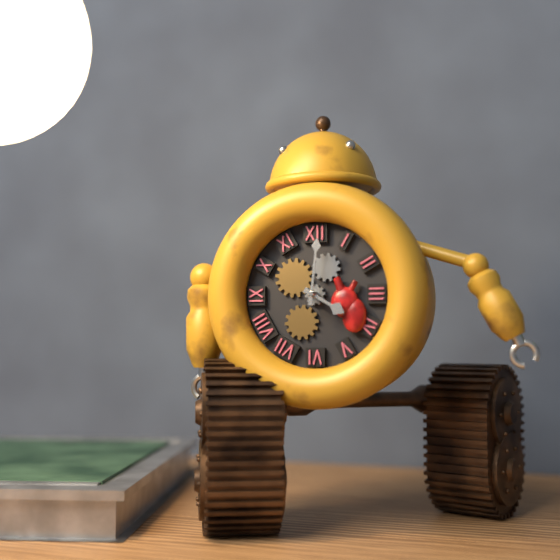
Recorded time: **4:01**
